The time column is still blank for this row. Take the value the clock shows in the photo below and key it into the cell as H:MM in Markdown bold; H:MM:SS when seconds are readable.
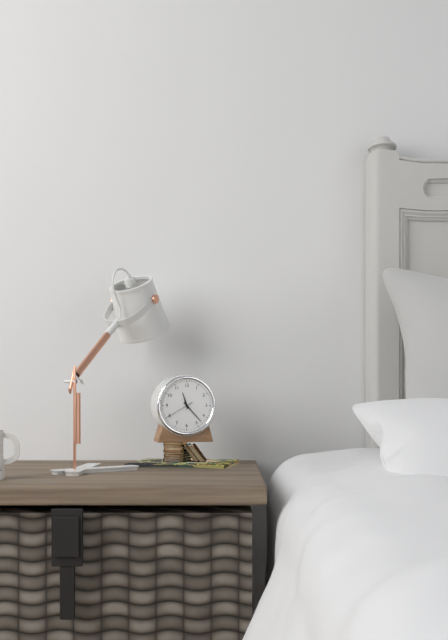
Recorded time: **11:23**
